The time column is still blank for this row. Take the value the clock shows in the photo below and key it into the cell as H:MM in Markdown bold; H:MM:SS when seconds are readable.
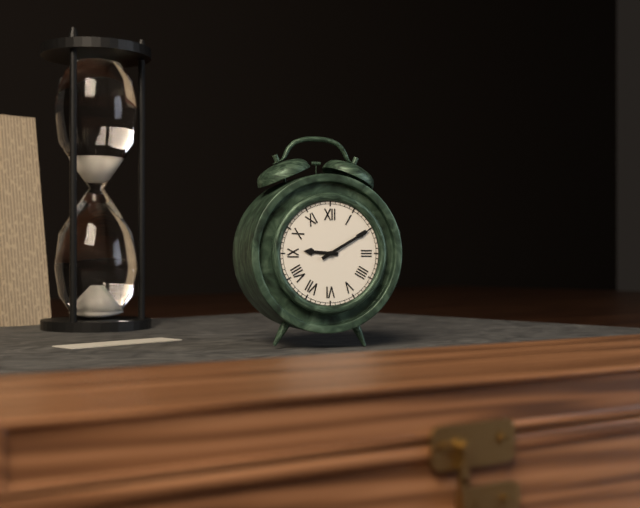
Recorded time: **9:10**
